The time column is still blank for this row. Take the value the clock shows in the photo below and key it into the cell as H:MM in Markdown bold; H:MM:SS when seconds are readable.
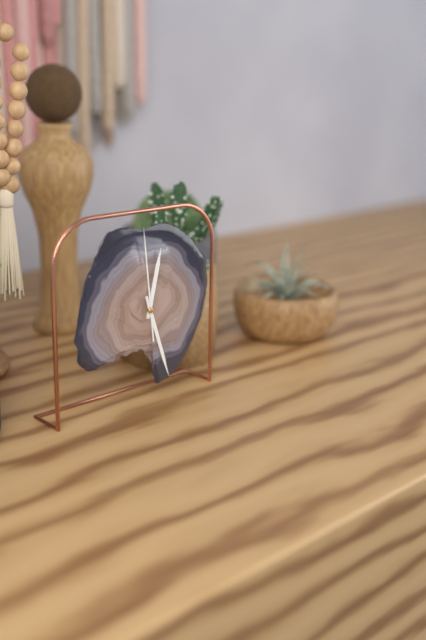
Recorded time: **12:27:59**
